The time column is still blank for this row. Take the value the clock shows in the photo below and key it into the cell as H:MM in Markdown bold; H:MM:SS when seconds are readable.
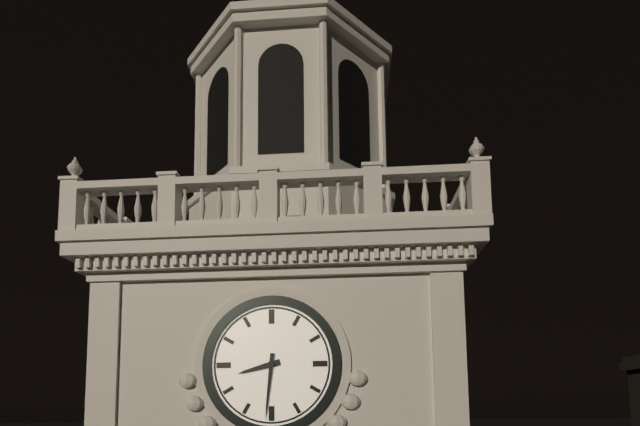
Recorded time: **8:31**
